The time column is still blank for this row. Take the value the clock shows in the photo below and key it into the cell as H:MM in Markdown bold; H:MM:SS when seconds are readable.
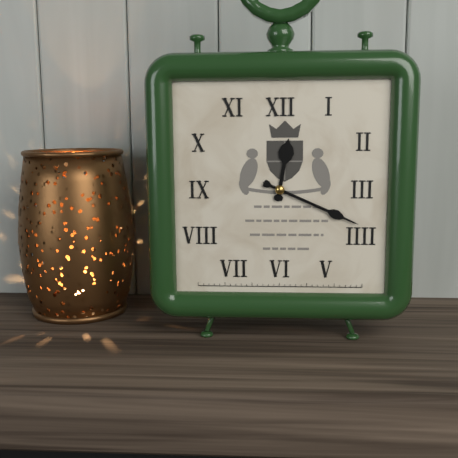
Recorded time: **12:19**
